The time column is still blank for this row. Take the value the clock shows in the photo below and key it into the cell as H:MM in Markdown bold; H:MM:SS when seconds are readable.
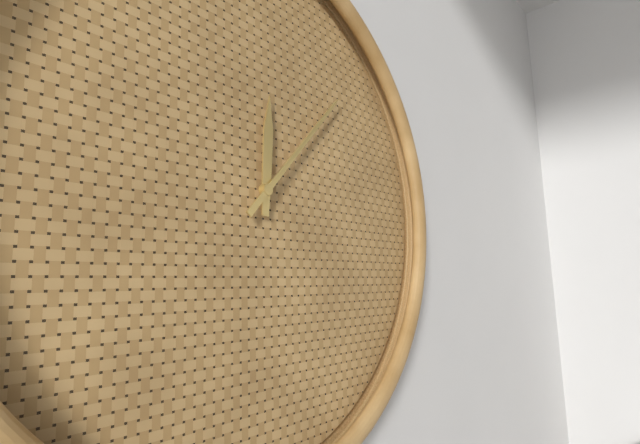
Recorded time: **12:07**
